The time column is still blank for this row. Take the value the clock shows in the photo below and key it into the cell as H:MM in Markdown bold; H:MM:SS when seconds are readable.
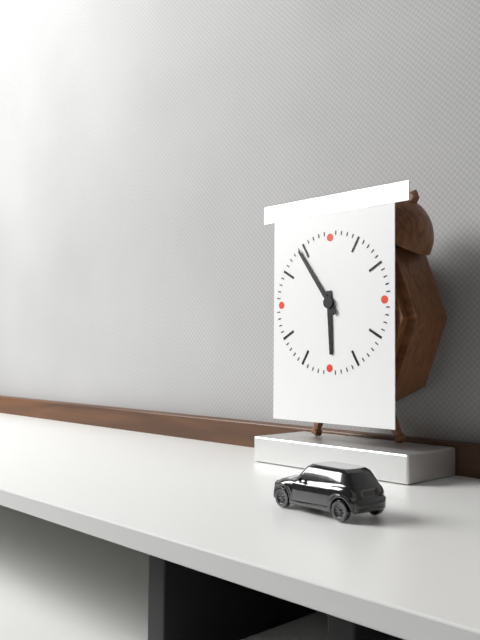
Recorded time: **5:54**
